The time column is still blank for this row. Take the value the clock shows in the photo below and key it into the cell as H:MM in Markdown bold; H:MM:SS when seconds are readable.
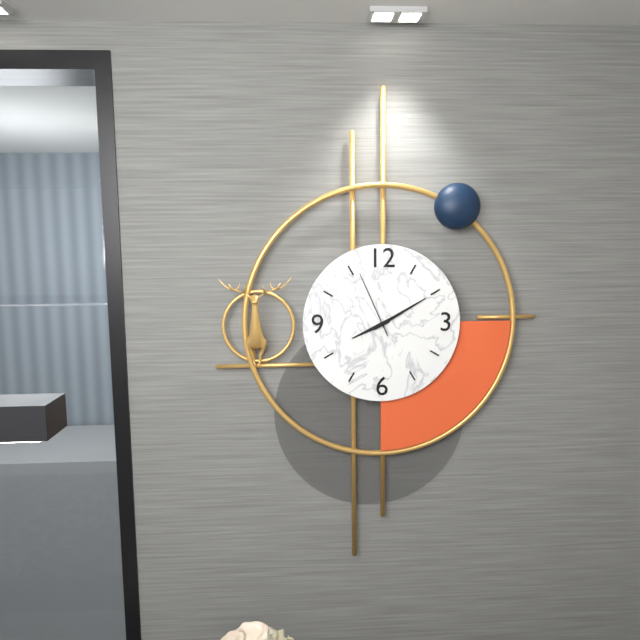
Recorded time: **8:10:56**
